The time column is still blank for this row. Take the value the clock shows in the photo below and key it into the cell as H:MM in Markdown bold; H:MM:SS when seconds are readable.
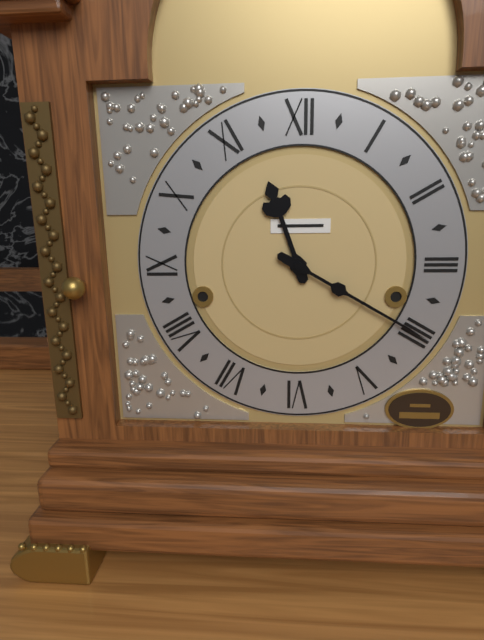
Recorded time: **11:20**
